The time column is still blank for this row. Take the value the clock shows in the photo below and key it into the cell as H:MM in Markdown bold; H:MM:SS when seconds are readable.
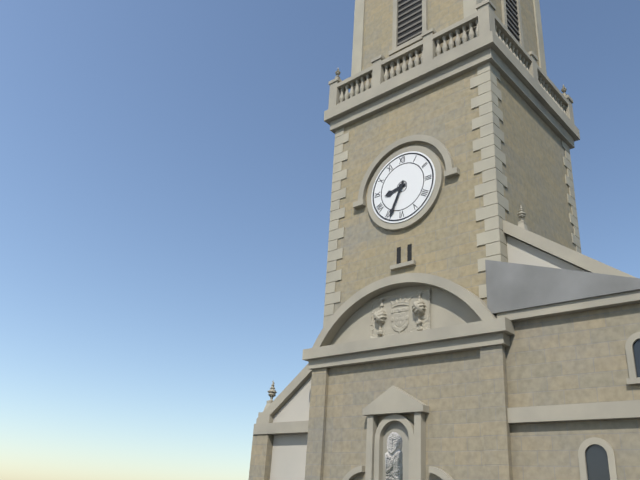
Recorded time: **8:34**
